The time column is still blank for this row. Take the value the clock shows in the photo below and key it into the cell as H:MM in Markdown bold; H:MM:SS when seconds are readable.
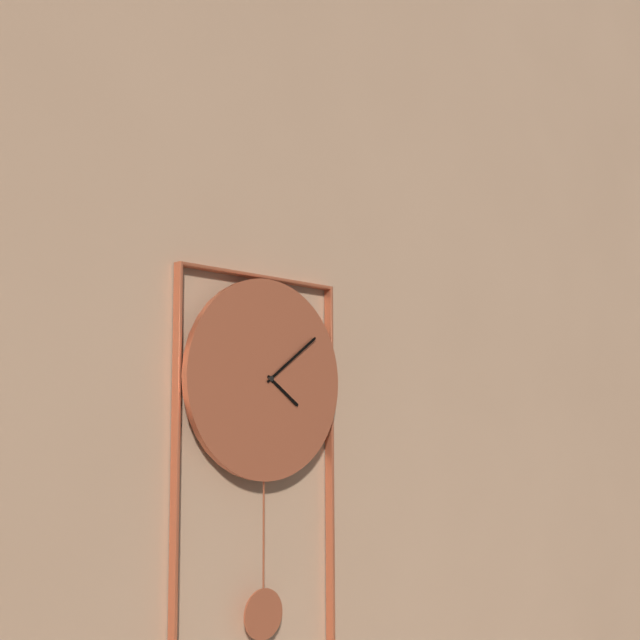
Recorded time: **4:09**
